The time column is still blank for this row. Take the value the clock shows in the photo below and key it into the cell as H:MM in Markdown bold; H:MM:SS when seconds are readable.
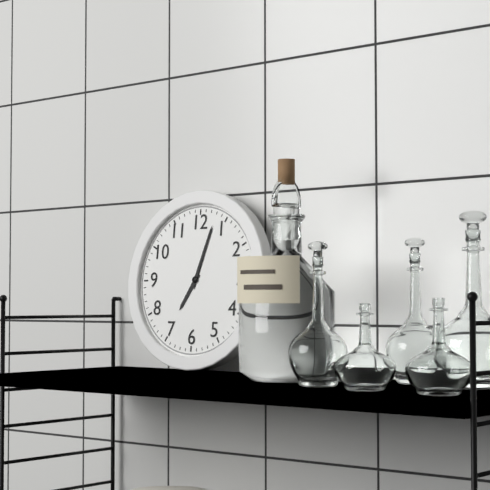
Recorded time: **7:03**
